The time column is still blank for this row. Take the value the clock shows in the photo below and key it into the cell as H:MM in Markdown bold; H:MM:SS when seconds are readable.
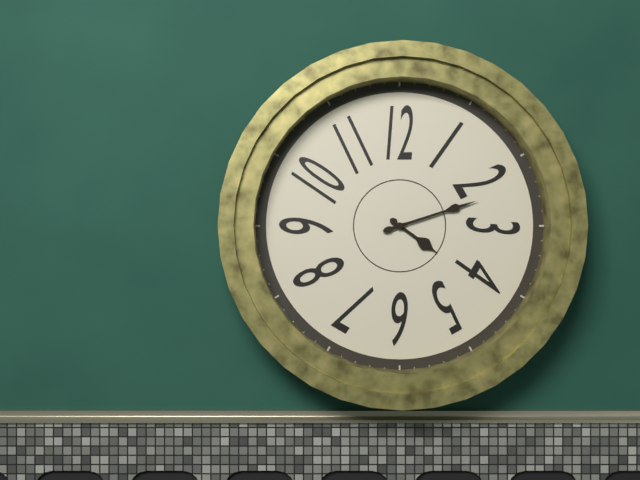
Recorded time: **4:12**
